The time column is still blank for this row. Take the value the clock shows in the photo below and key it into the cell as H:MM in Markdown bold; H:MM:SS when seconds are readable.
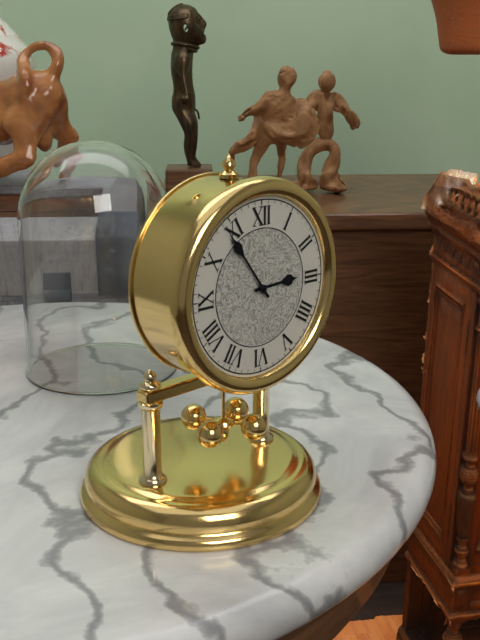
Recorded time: **2:54**
